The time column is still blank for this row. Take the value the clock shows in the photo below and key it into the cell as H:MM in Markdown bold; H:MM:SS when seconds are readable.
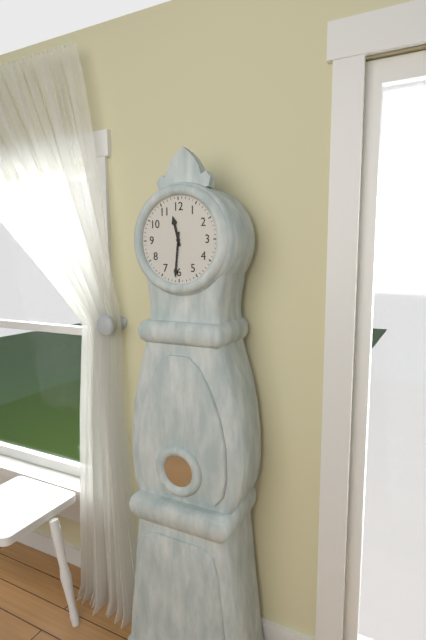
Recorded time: **11:31**
